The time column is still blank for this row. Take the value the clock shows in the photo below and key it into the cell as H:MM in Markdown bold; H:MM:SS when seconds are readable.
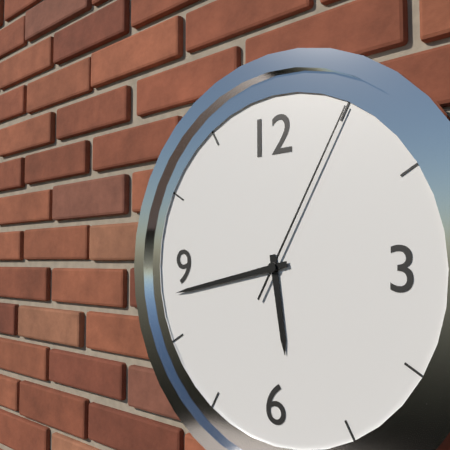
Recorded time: **5:43:05**
